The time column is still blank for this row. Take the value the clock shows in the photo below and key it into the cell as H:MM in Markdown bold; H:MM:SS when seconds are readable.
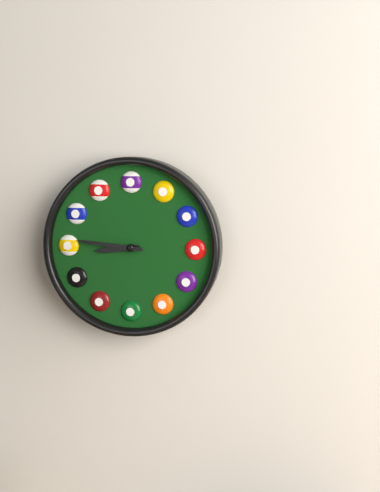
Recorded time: **8:46**
